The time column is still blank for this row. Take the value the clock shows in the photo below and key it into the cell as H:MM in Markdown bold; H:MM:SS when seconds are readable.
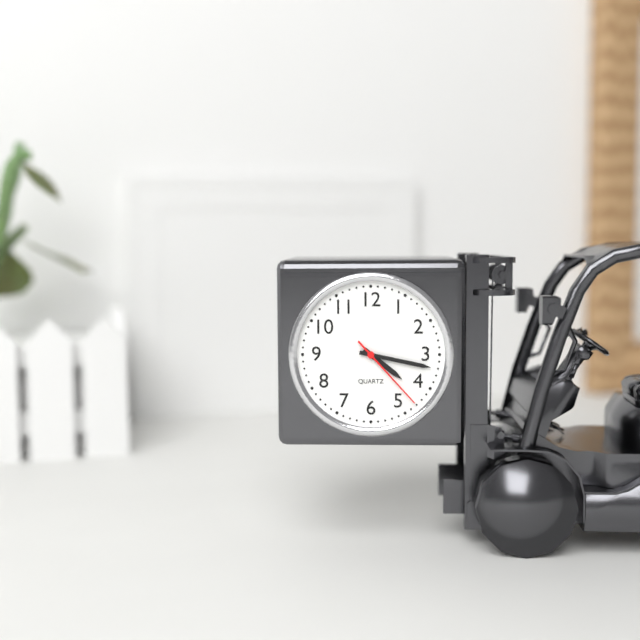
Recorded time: **4:17:23**
